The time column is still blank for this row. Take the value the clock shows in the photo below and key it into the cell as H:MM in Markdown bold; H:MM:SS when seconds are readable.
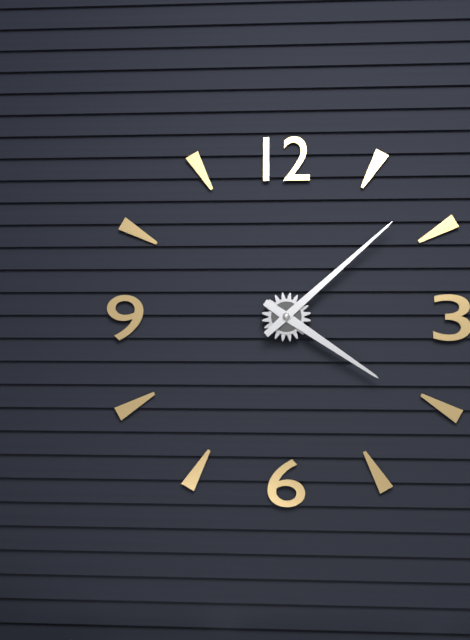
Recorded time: **4:08**
